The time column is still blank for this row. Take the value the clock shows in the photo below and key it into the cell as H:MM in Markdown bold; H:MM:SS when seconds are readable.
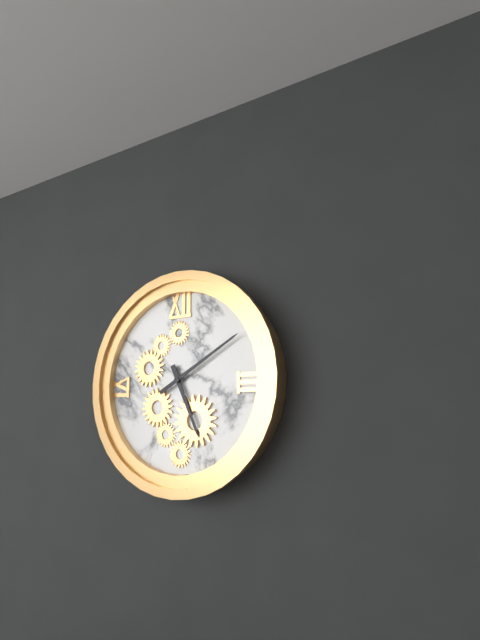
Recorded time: **5:10**
